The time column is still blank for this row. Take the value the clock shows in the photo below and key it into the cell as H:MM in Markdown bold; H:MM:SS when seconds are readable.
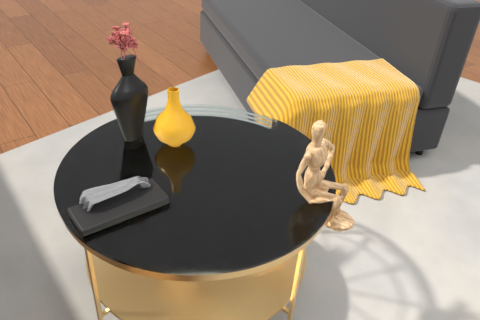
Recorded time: **2:39**
